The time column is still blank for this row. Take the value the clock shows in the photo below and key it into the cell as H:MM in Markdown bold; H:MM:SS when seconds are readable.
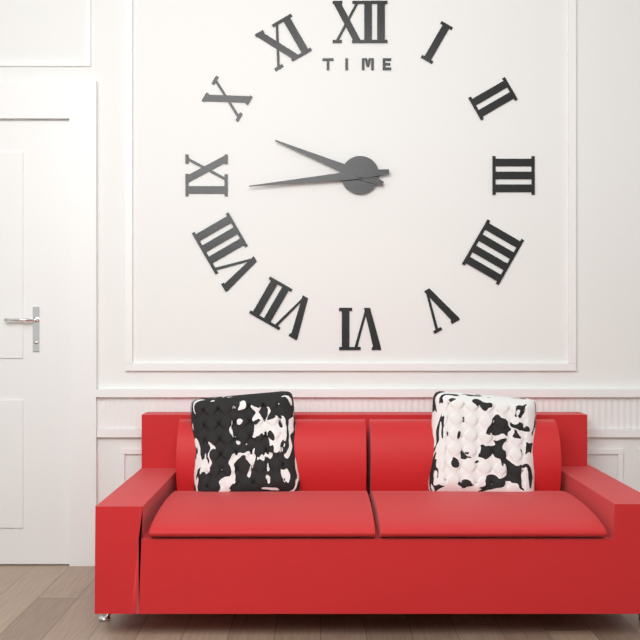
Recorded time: **9:44**
